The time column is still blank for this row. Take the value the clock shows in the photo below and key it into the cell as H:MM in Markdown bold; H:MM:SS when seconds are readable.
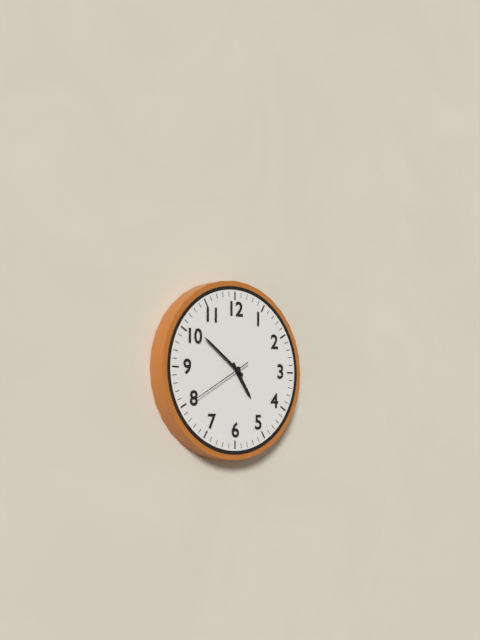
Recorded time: **4:51:40**
